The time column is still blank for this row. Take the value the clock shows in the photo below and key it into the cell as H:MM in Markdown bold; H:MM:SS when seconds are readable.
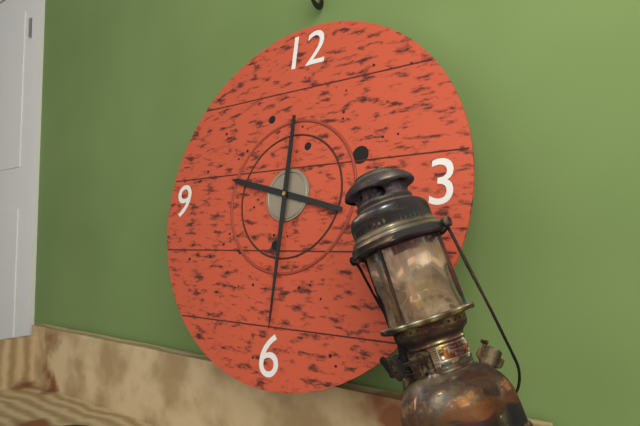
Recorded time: **9:30**
